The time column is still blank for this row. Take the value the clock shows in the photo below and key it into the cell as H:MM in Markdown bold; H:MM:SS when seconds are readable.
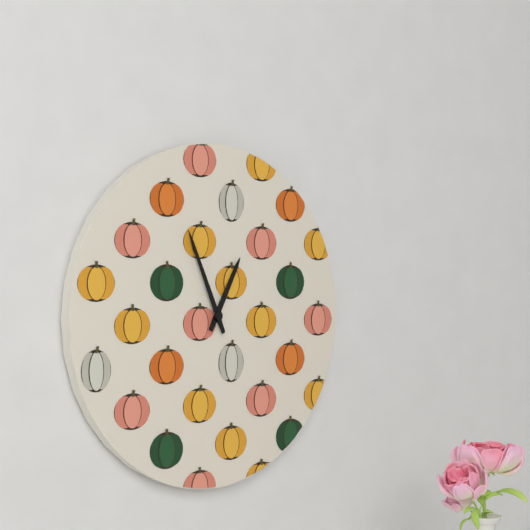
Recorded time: **12:56**
